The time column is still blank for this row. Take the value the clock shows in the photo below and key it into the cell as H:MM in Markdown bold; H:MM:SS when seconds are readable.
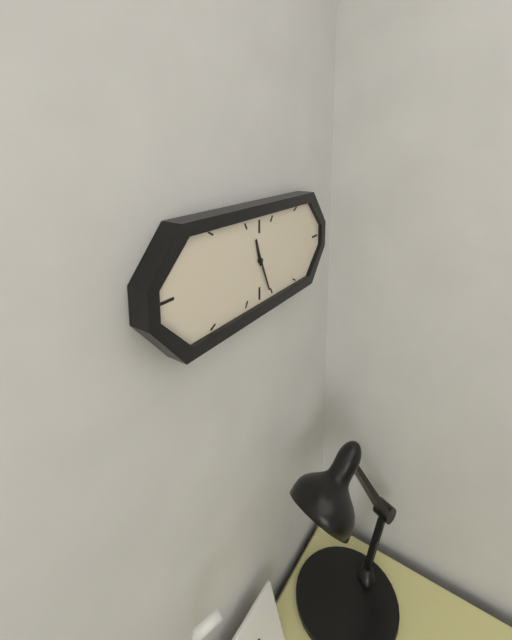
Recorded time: **11:26**
